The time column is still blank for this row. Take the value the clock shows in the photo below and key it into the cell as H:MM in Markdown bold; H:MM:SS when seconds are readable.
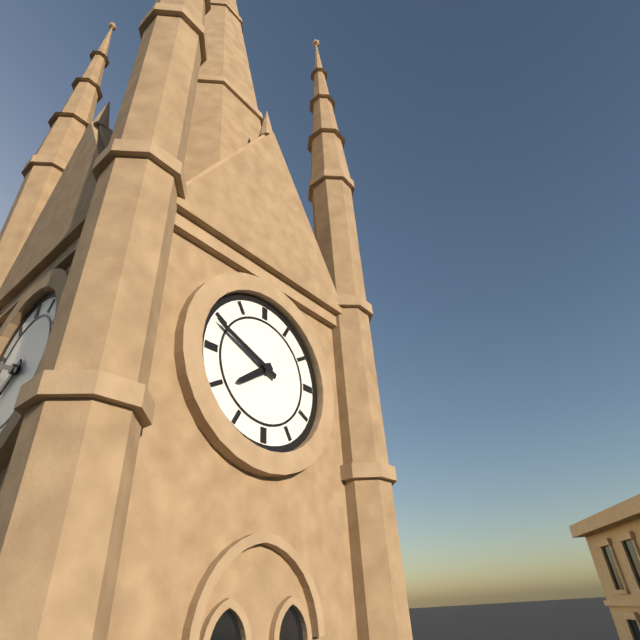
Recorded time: **7:49**
